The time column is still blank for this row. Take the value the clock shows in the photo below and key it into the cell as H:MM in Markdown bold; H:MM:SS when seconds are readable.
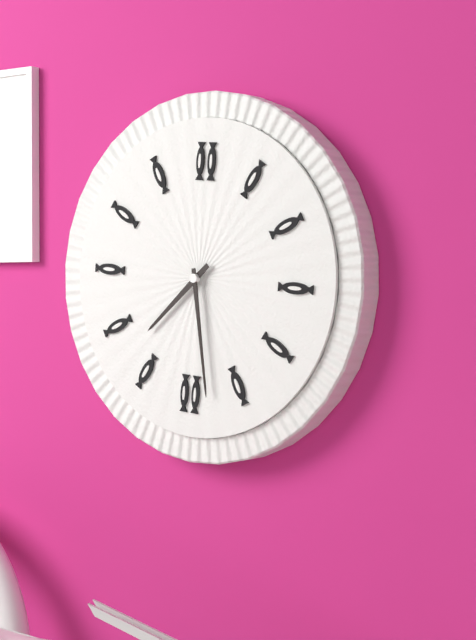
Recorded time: **7:28**
